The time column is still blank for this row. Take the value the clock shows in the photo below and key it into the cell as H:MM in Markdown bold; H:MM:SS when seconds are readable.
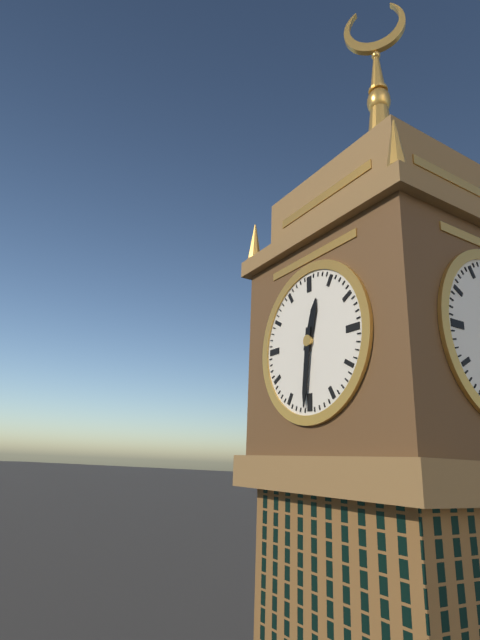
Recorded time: **12:31**
